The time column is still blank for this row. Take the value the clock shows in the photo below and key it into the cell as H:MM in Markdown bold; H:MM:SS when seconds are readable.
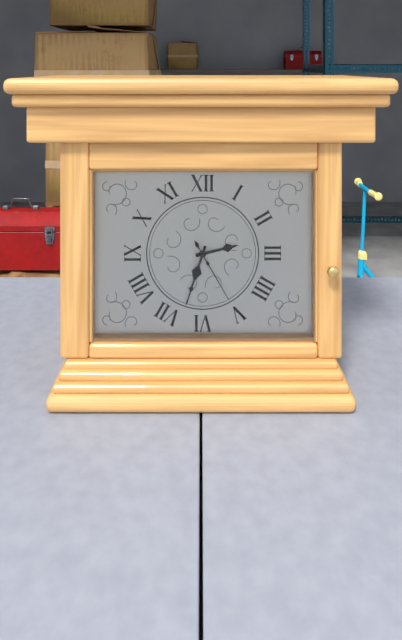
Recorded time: **2:33:25**
